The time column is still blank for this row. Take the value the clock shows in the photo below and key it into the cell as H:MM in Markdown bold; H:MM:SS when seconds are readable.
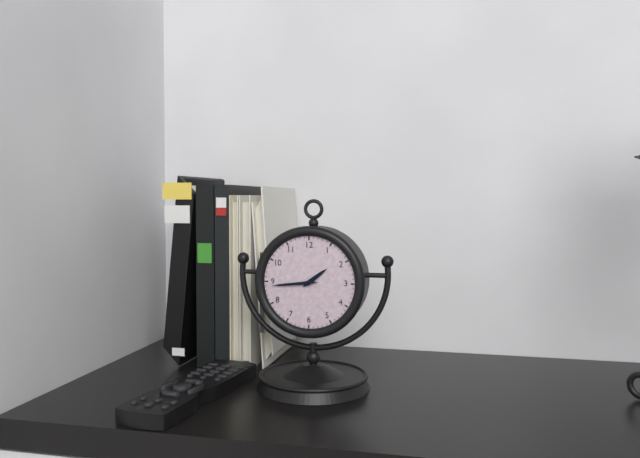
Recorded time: **1:44**
